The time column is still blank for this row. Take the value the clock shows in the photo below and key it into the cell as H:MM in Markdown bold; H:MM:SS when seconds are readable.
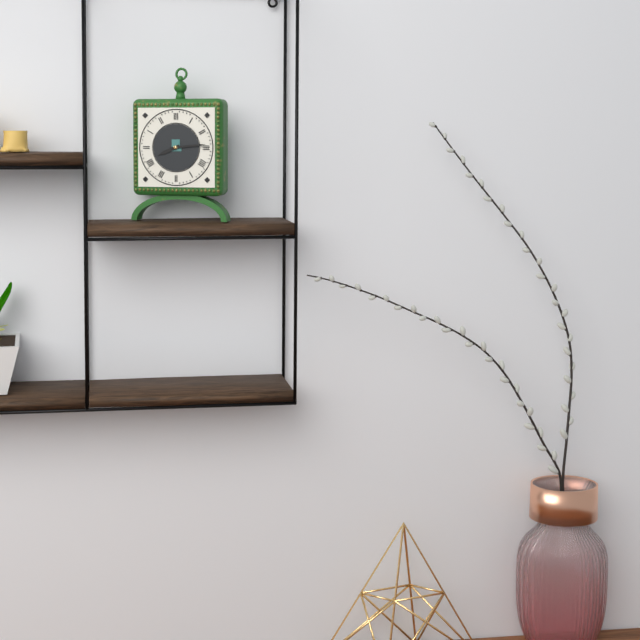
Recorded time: **8:14**
